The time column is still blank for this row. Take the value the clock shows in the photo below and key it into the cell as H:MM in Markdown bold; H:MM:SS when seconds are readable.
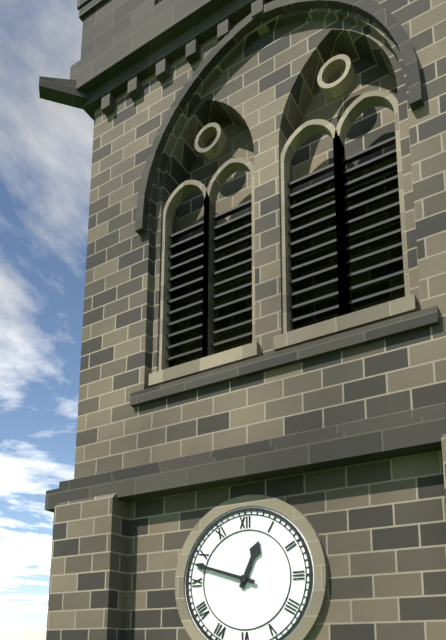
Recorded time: **12:48**
